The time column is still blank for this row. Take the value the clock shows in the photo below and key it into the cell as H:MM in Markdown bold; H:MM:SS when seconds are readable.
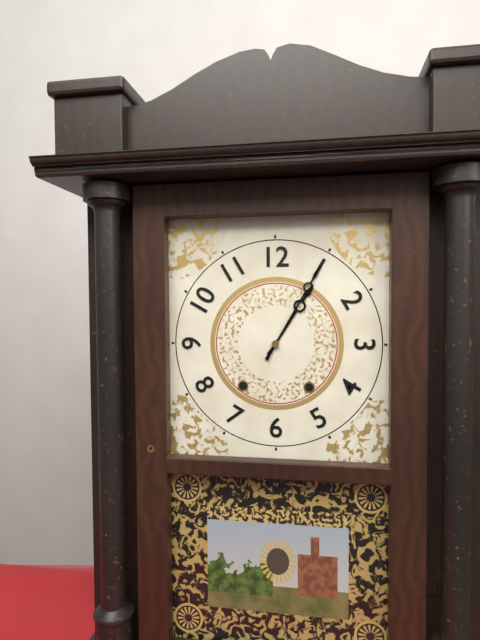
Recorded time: **1:05**
